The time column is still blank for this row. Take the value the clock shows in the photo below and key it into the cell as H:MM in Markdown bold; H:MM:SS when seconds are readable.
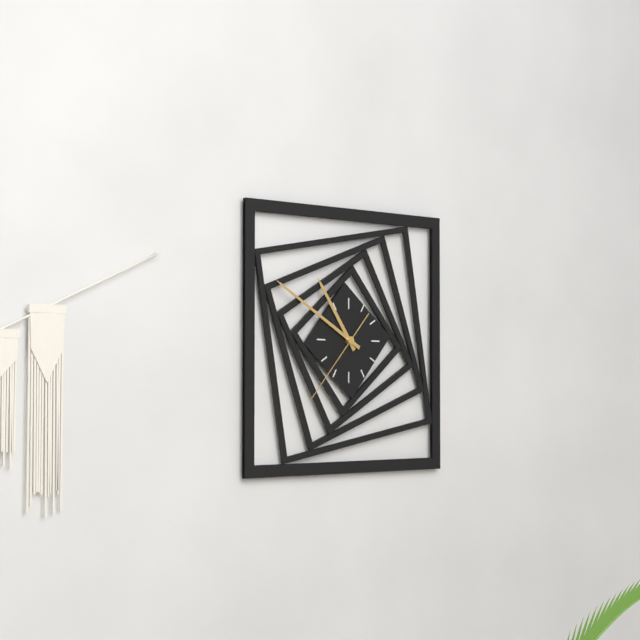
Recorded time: **10:50:37**
